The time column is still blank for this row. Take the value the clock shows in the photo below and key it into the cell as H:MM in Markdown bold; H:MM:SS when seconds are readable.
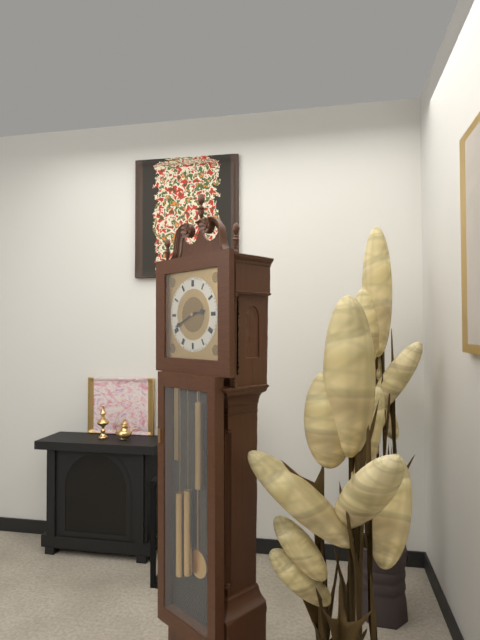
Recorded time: **2:41**
